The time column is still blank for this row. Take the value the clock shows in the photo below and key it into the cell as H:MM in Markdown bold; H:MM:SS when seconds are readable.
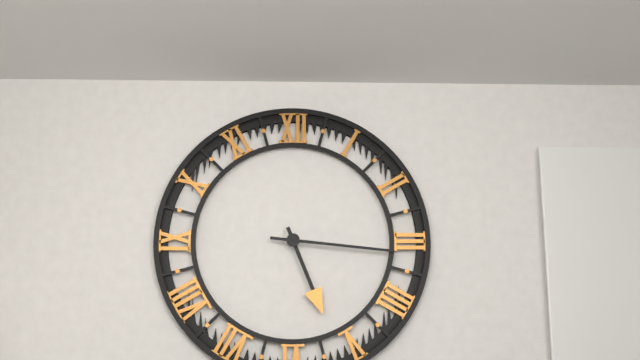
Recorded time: **5:16**
